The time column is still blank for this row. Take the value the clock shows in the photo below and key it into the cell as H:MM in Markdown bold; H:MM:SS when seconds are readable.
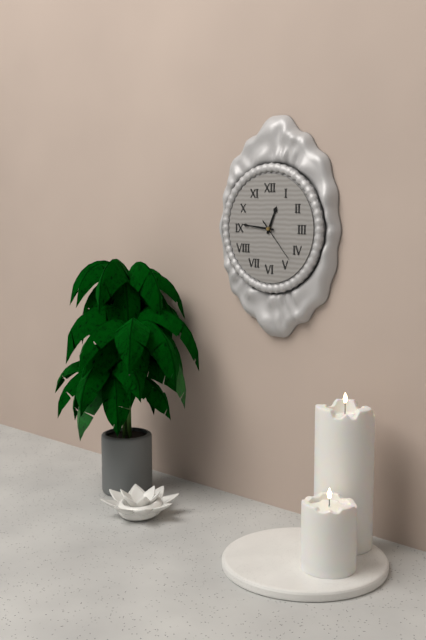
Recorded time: **12:46**
